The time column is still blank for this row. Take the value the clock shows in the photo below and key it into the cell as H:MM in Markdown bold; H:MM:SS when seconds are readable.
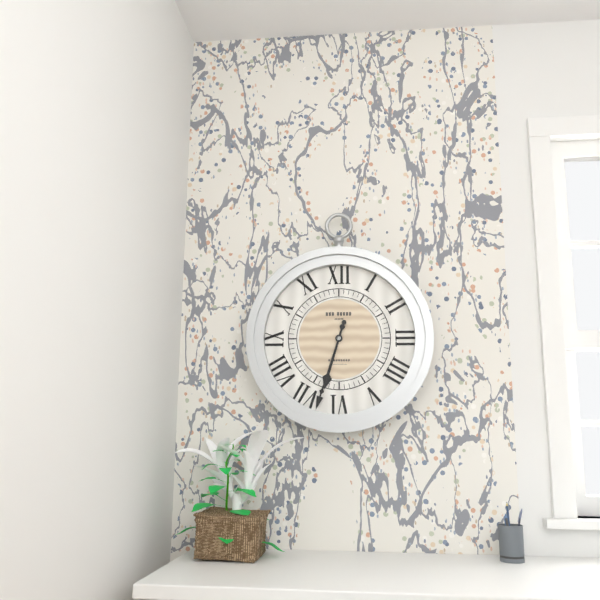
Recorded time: **6:33**
